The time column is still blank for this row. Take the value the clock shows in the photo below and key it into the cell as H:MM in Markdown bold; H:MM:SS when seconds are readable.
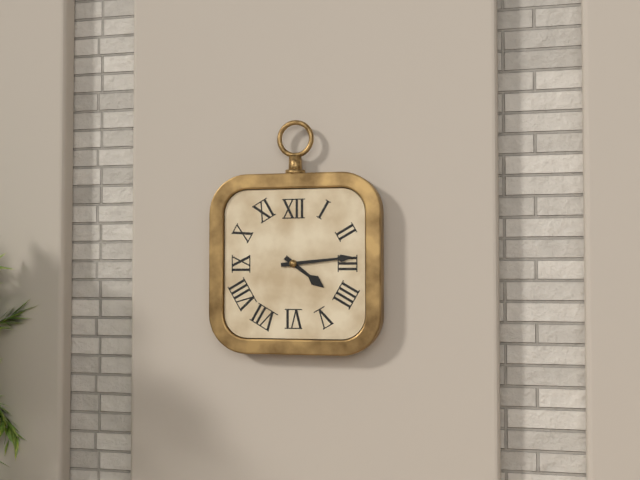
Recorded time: **4:14**
